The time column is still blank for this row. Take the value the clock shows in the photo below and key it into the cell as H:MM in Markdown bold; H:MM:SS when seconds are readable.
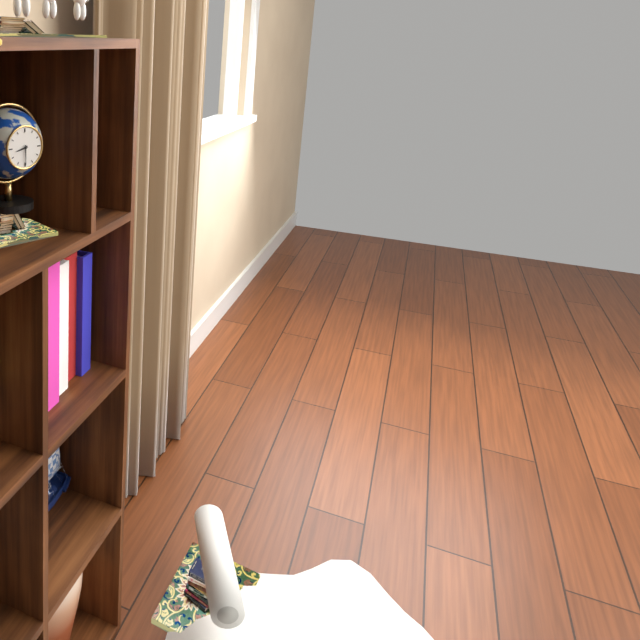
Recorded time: **8:30**
